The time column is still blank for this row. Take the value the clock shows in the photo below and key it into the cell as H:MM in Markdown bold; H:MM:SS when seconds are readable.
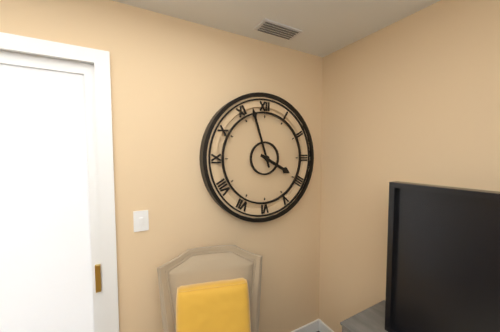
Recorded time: **3:57**
